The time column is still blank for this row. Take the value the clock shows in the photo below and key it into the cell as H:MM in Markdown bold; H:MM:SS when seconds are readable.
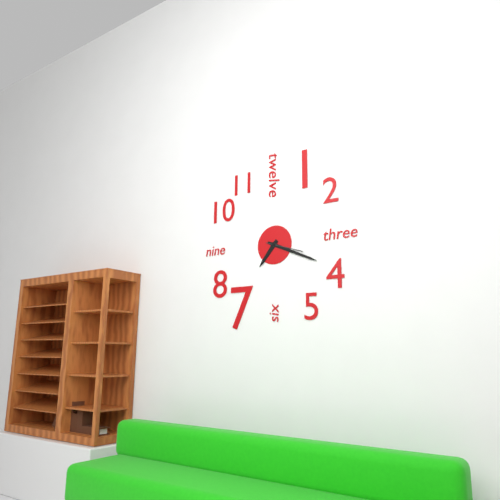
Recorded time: **7:19**
